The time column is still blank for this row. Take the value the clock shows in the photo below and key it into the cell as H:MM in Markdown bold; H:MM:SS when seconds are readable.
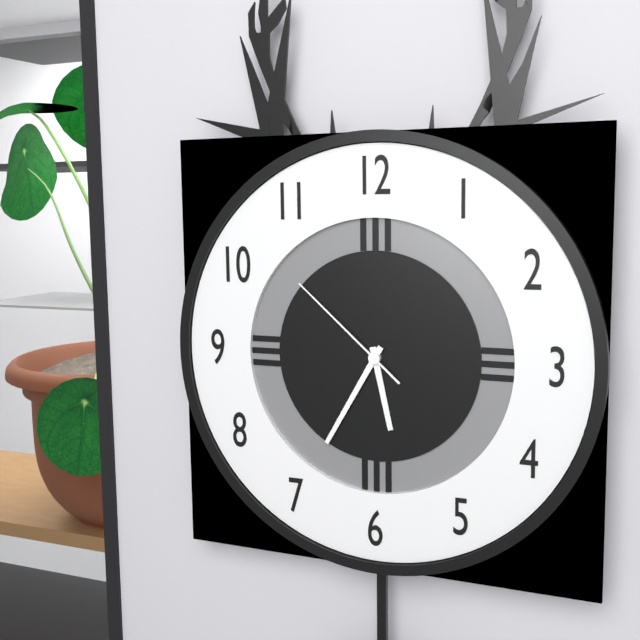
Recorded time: **5:35:52**
